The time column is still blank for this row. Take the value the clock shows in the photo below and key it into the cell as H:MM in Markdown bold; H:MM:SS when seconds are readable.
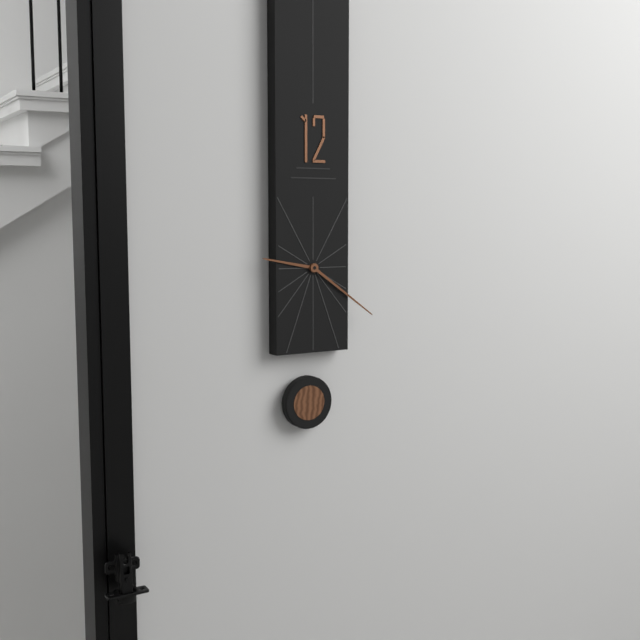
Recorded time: **9:21**
